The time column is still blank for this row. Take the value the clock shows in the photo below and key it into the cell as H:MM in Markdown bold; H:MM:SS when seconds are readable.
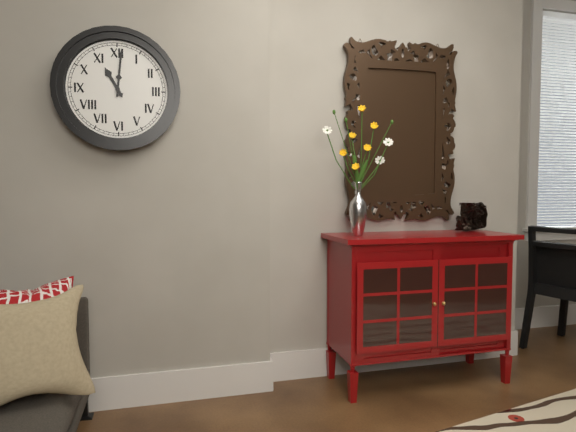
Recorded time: **11:01**
